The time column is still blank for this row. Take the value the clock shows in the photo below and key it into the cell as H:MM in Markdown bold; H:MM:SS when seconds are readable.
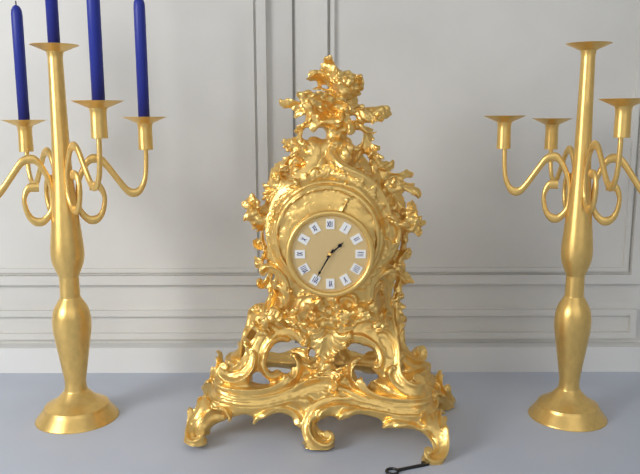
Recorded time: **1:35**
